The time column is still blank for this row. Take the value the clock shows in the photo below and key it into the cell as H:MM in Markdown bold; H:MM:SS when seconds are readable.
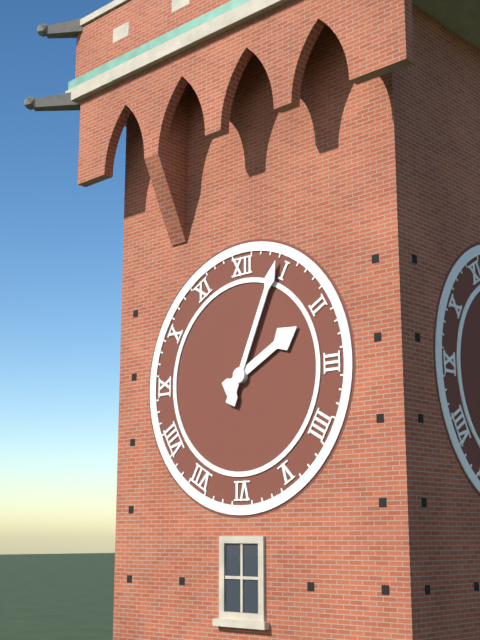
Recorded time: **2:04**
